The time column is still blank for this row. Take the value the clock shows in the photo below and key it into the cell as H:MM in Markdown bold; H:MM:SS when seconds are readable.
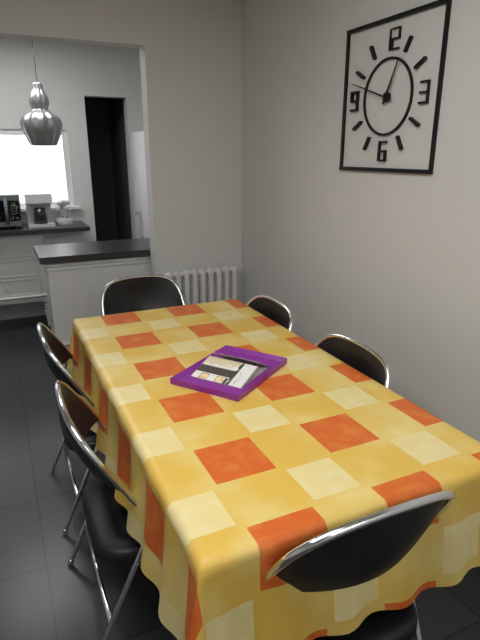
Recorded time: **12:48**
